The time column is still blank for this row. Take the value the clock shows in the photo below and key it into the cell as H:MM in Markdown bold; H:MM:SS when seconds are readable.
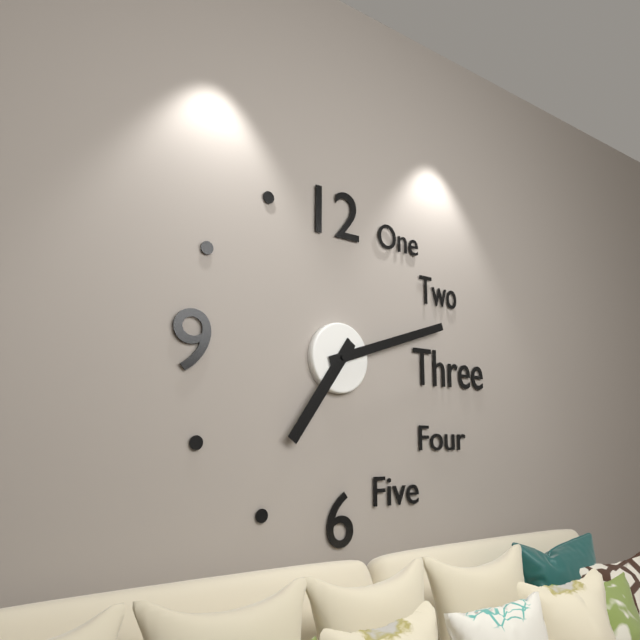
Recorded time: **7:12**
